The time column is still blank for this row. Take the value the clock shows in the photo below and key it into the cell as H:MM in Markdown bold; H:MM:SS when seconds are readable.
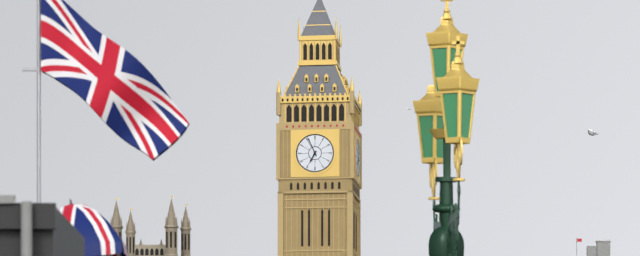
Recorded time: **6:56**
